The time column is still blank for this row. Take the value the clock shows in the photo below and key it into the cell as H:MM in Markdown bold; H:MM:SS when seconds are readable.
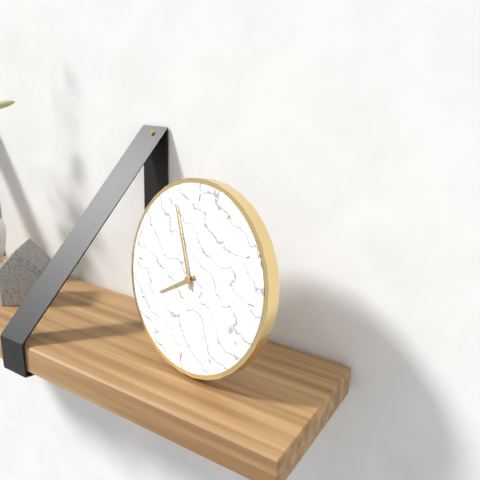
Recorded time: **7:56**
